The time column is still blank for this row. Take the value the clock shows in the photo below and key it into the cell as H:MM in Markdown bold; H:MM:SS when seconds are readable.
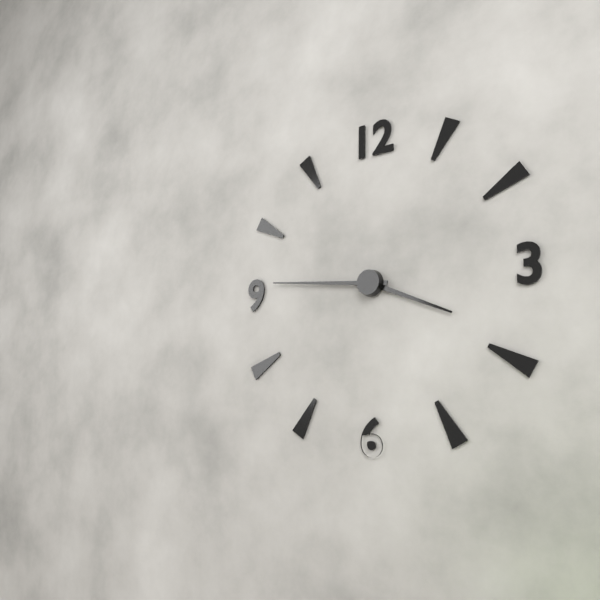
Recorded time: **3:46**
